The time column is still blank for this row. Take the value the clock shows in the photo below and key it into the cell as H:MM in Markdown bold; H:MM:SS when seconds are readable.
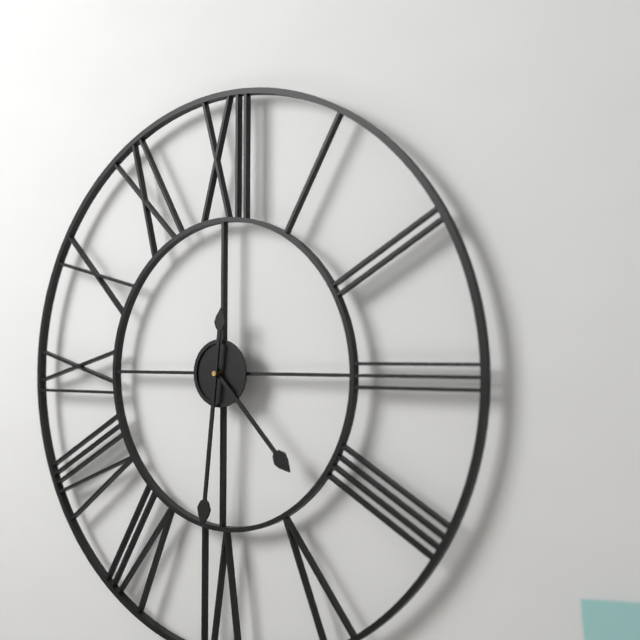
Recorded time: **4:31**
